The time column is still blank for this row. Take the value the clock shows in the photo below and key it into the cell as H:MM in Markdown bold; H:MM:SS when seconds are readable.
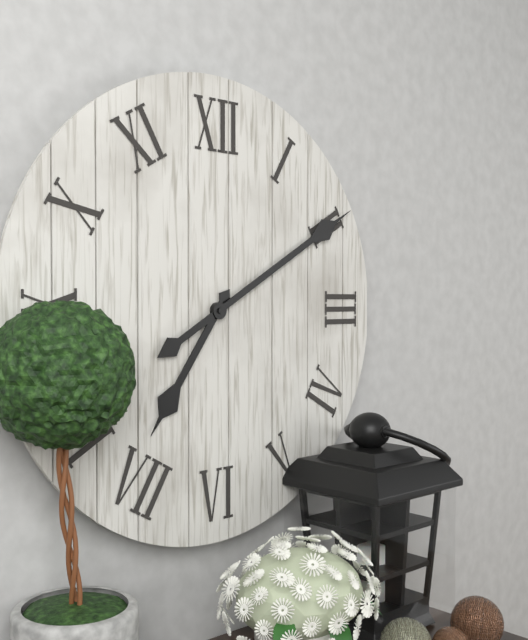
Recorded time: **7:10**
